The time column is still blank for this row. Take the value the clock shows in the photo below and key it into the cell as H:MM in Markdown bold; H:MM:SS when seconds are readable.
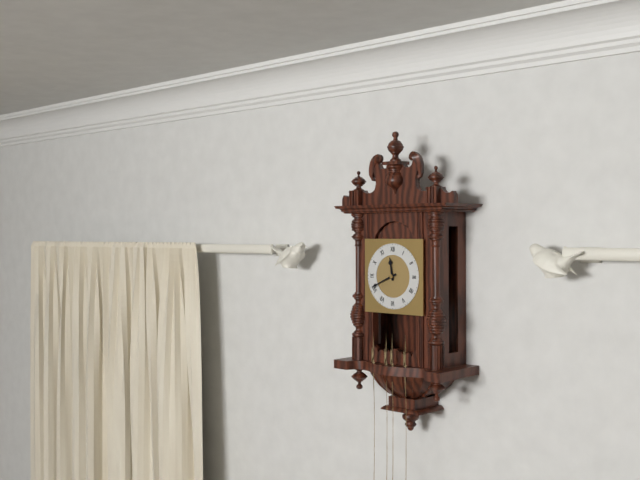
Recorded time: **11:41**
